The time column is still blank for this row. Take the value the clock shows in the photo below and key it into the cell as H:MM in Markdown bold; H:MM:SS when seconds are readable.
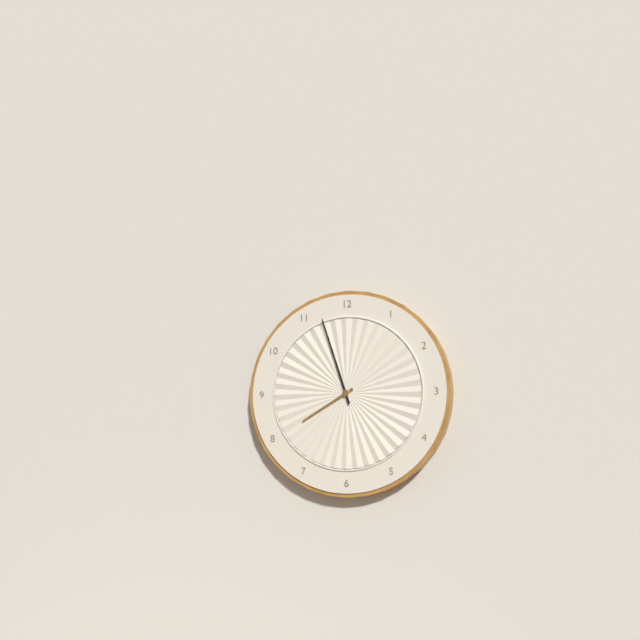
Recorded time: **7:57**
